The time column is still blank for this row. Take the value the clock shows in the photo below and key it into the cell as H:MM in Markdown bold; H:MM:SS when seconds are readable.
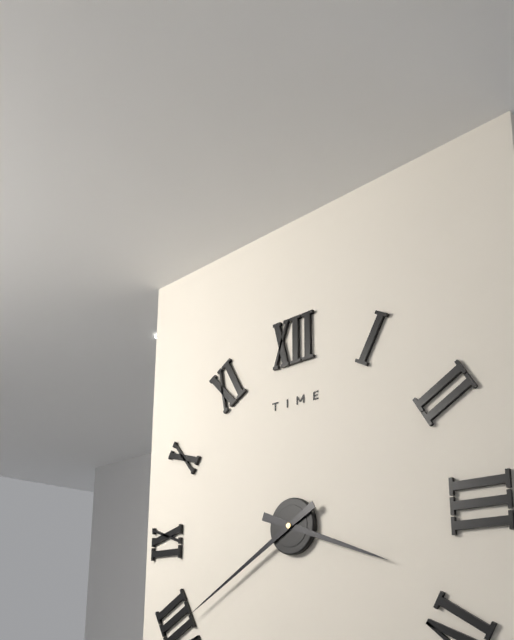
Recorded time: **3:40**
